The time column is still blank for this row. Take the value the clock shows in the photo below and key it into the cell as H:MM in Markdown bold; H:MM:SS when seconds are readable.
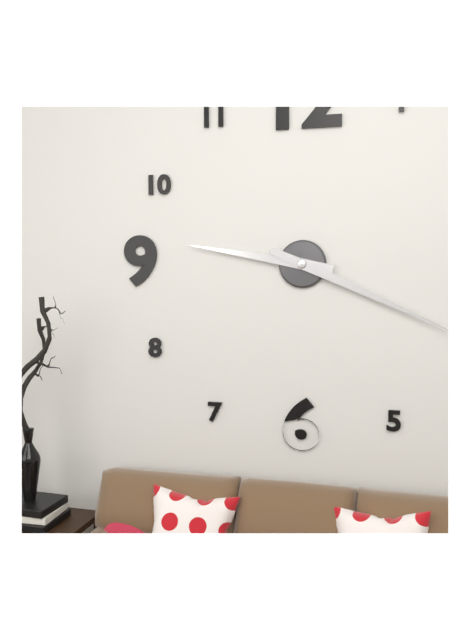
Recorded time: **9:19**
